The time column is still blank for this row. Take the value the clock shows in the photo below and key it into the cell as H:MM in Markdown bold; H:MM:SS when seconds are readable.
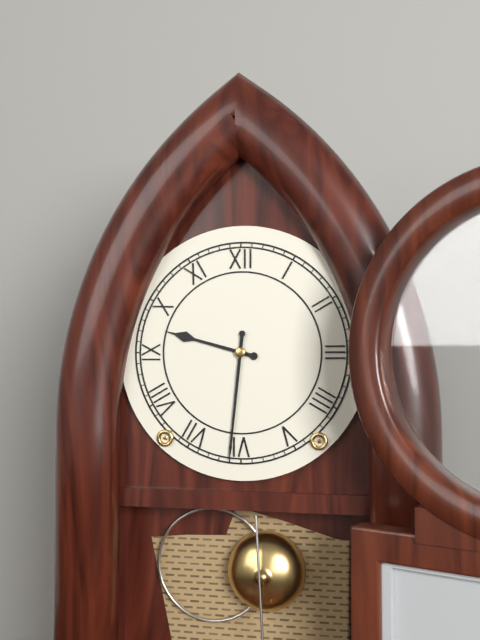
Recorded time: **9:31**
